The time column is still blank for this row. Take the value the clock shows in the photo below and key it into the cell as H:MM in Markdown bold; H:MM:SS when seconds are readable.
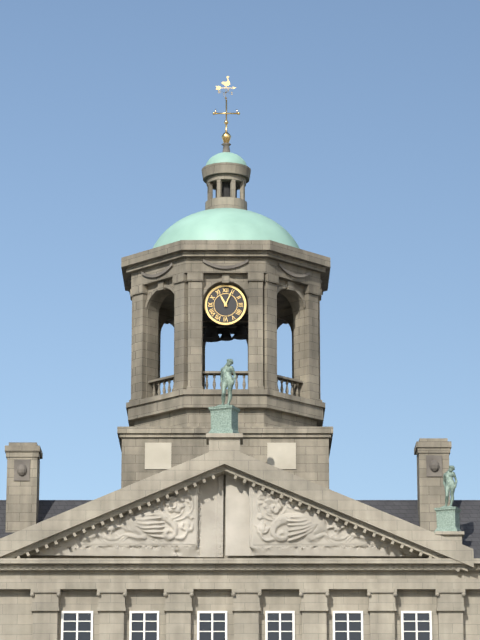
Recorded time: **11:04**
